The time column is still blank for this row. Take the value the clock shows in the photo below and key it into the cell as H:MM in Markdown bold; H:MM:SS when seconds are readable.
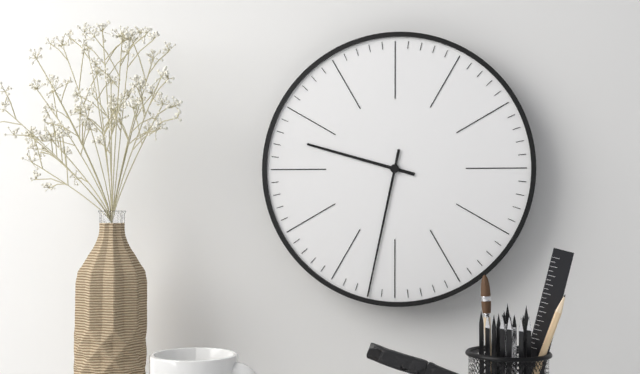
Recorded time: **9:32**
